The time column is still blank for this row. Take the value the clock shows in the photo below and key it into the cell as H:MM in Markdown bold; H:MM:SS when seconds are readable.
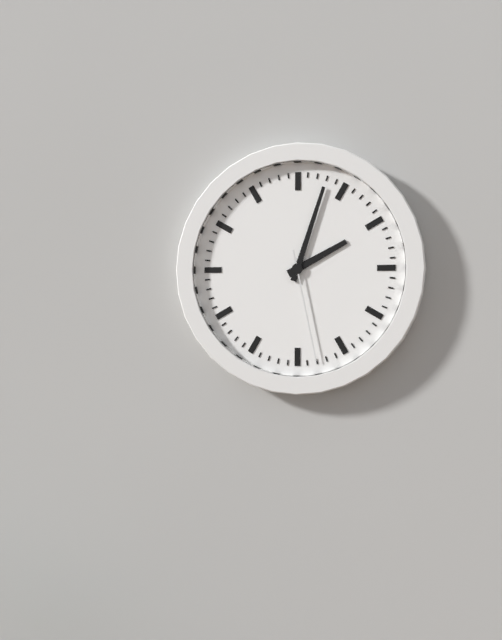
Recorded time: **2:03:28**
